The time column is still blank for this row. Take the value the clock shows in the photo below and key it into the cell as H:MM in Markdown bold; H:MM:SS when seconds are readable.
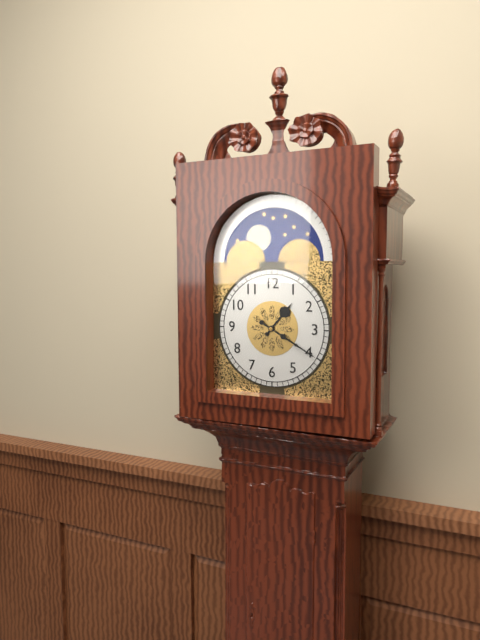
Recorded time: **1:20**
